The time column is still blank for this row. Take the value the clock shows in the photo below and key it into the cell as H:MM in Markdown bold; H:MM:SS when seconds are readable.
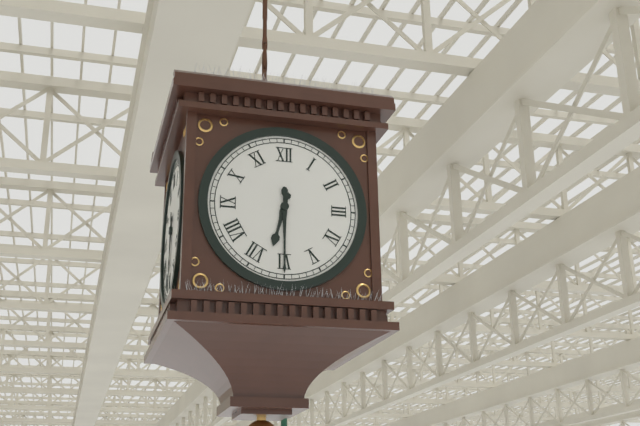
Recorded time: **6:30**
